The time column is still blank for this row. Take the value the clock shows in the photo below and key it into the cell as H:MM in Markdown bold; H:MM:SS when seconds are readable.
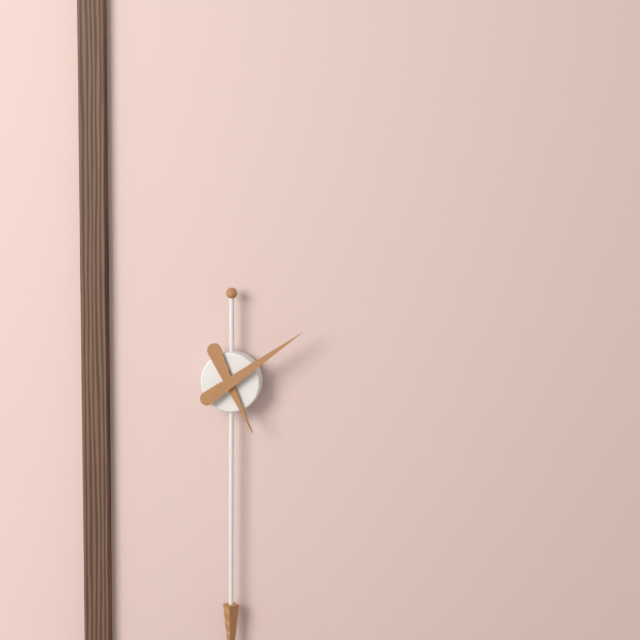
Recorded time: **5:09**
